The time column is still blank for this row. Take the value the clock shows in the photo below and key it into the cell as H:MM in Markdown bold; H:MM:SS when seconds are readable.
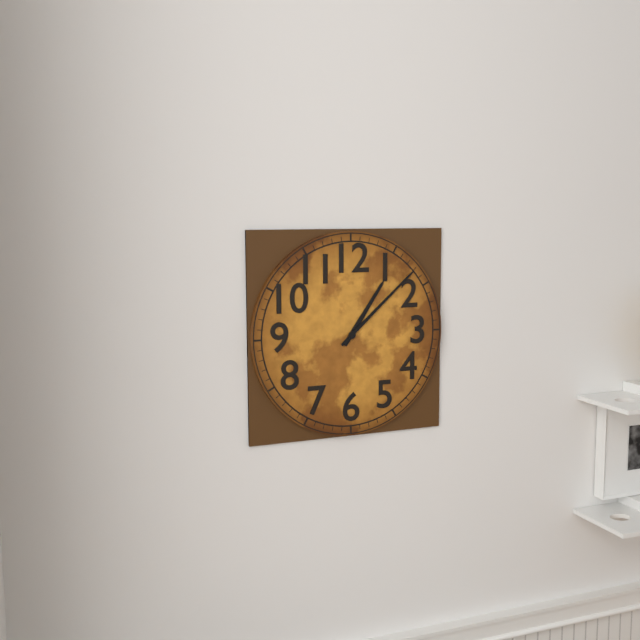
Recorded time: **1:08**
